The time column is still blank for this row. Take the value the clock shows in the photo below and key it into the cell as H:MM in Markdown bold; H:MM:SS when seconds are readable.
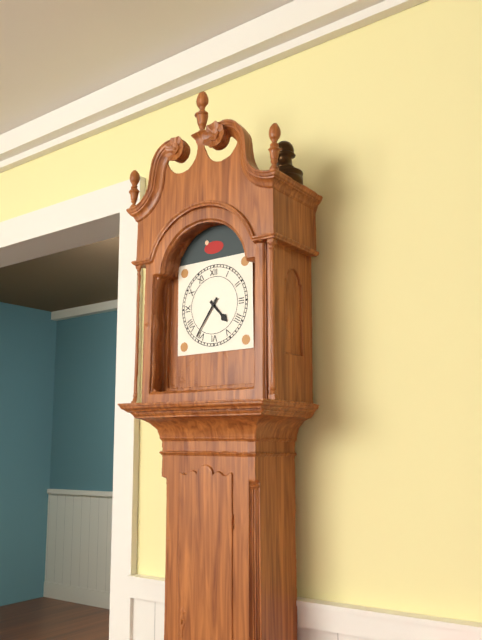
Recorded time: **4:36**
